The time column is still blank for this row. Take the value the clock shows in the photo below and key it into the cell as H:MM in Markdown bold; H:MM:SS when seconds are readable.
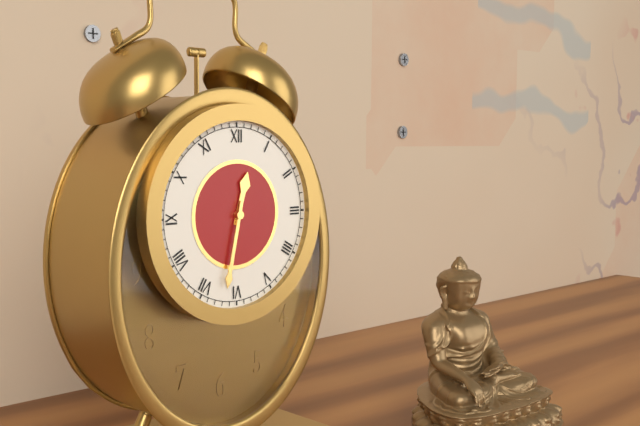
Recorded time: **12:32**
